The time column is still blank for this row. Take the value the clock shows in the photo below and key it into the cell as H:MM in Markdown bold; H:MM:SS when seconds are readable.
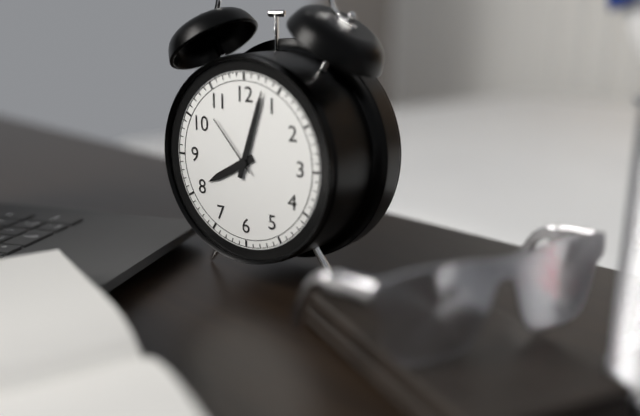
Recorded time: **8:03:53**
